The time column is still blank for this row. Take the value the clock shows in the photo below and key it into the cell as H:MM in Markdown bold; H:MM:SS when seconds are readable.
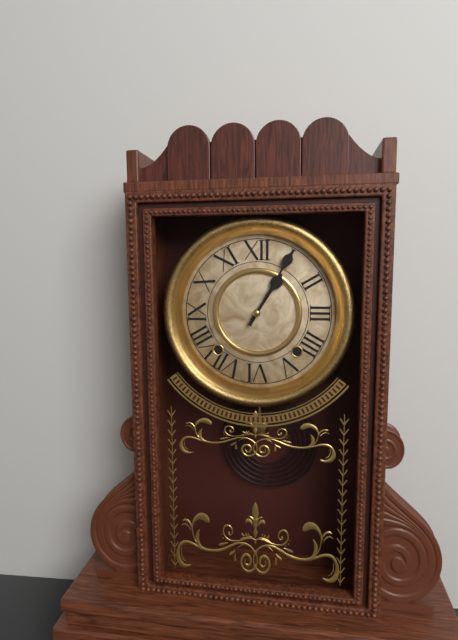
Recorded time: **1:05**
